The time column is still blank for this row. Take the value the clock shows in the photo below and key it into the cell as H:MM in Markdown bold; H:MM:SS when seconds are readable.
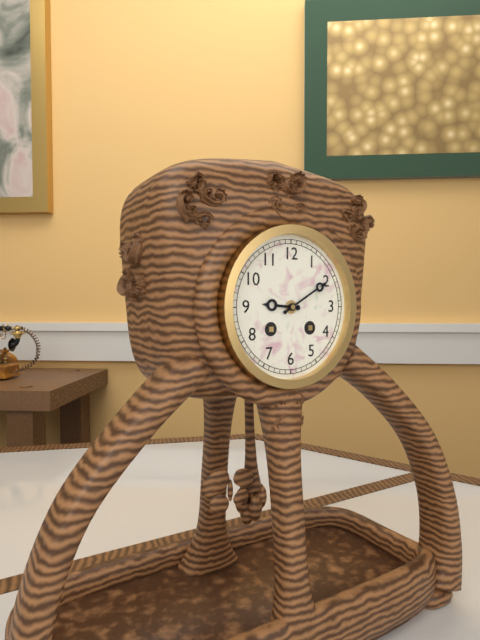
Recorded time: **9:10**
